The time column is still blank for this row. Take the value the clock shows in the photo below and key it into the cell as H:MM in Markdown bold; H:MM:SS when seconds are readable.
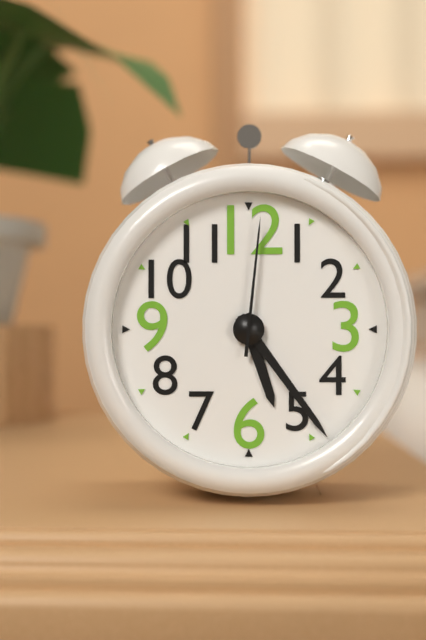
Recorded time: **5:24:01**
